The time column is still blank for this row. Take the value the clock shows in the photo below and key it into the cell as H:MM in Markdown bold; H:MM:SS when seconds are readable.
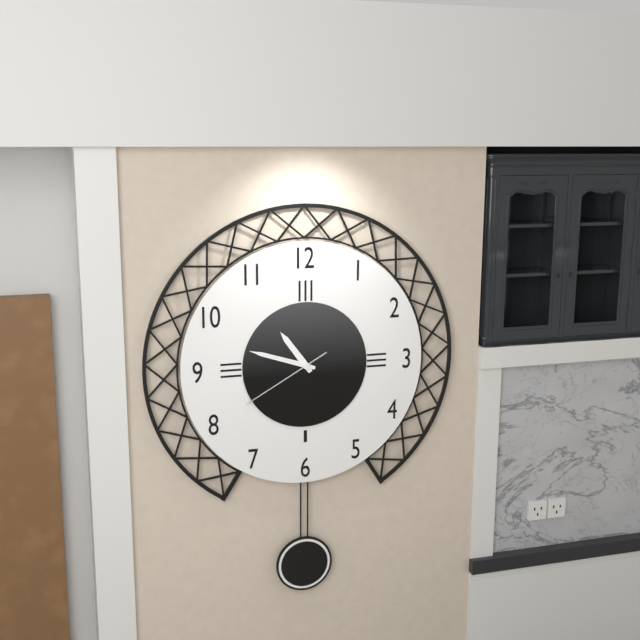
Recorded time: **10:48:40**
